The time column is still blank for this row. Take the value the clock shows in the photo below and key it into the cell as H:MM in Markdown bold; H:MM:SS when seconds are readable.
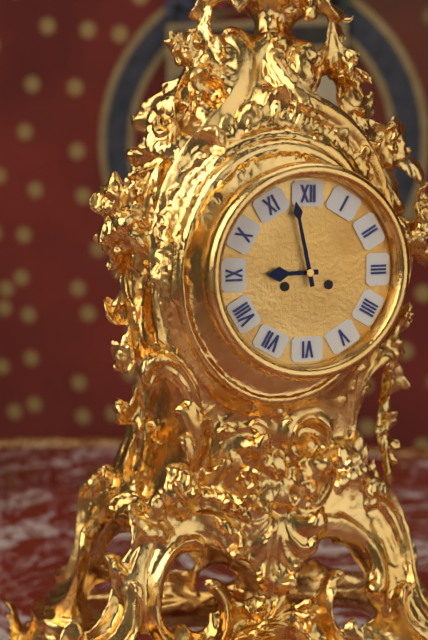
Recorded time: **8:58**
